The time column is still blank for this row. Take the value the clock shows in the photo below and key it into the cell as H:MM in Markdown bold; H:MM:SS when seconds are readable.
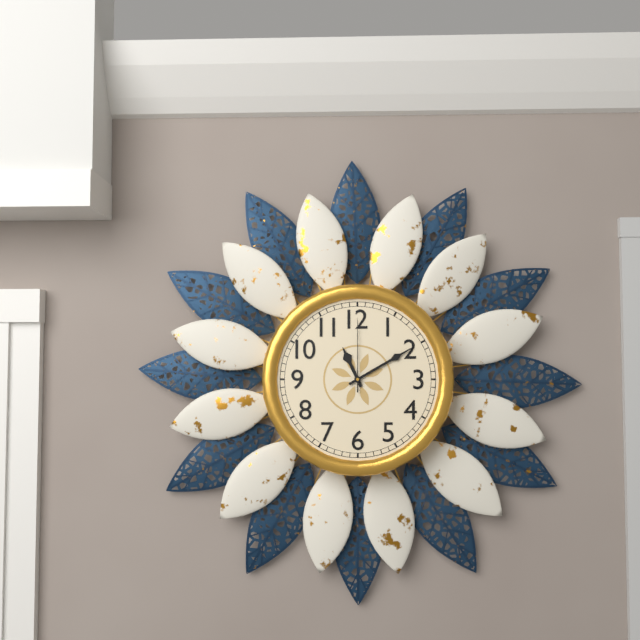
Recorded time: **11:10:00**
